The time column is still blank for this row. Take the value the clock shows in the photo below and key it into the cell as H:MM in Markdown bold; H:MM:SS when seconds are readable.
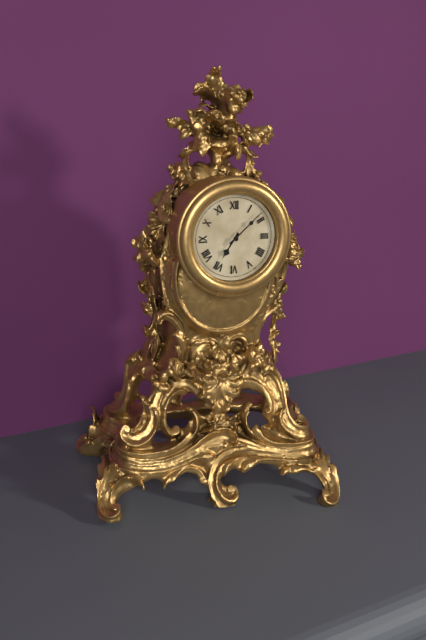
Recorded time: **7:08**
